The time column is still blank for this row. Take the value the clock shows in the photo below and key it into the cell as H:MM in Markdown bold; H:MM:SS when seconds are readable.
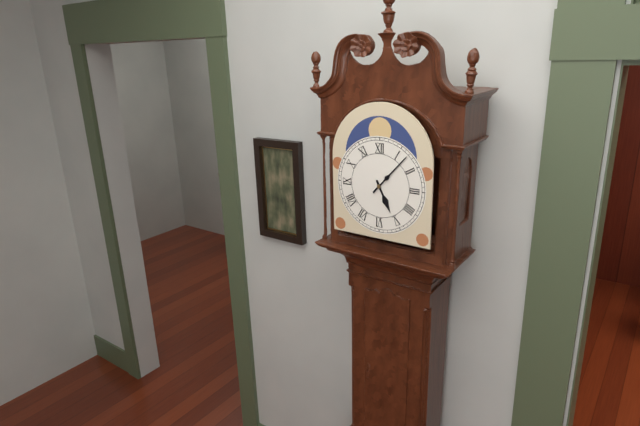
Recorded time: **5:07**
